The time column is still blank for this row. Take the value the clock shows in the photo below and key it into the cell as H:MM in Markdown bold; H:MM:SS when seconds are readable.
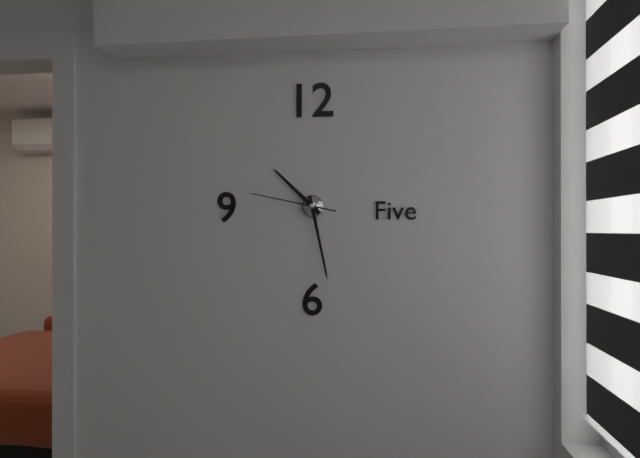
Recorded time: **10:28:47**
